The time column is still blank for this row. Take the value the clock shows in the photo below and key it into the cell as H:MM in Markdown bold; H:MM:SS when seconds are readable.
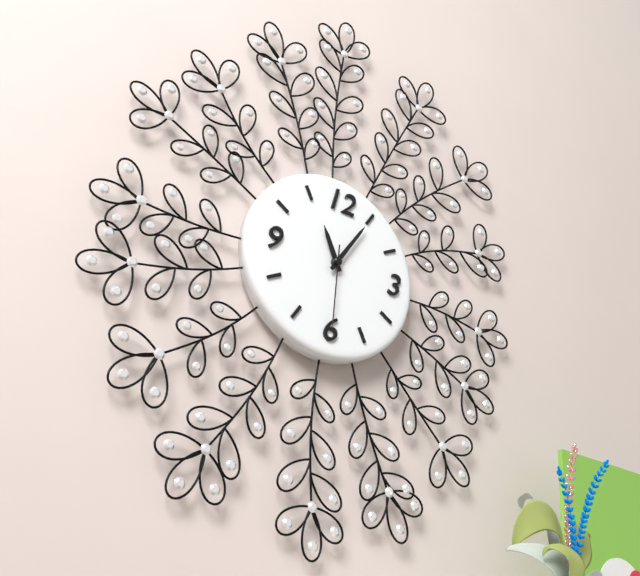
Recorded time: **11:05:30**
